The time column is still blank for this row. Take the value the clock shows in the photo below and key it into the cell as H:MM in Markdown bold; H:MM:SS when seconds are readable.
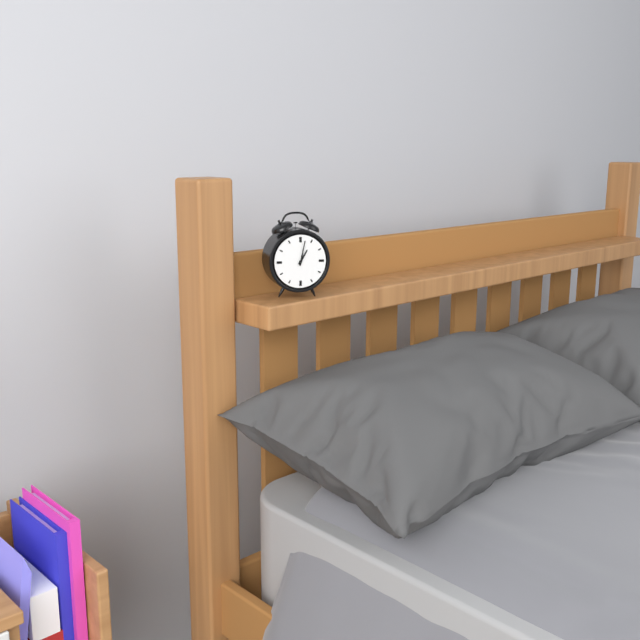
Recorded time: **1:02**
